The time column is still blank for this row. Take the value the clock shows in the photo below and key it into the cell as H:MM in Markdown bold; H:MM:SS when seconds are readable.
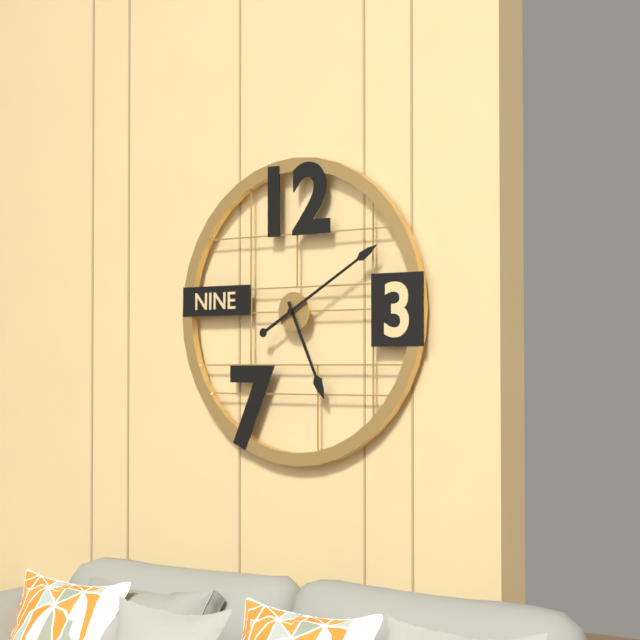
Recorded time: **5:10**
